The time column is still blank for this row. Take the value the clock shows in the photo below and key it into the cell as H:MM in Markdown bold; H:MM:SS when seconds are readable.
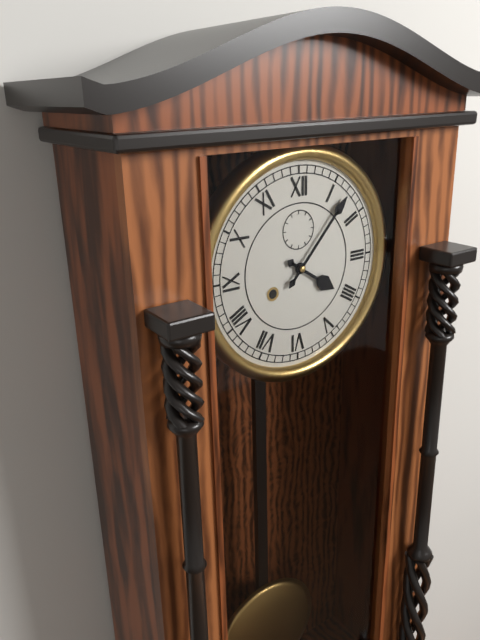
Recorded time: **4:07**
